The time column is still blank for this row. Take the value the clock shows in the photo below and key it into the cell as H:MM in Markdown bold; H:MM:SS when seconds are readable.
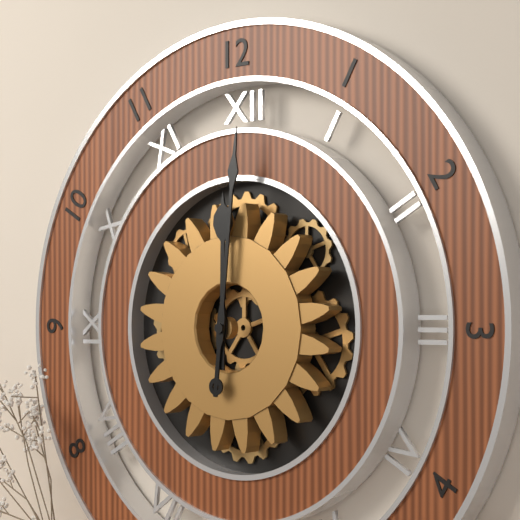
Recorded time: **12:01**
